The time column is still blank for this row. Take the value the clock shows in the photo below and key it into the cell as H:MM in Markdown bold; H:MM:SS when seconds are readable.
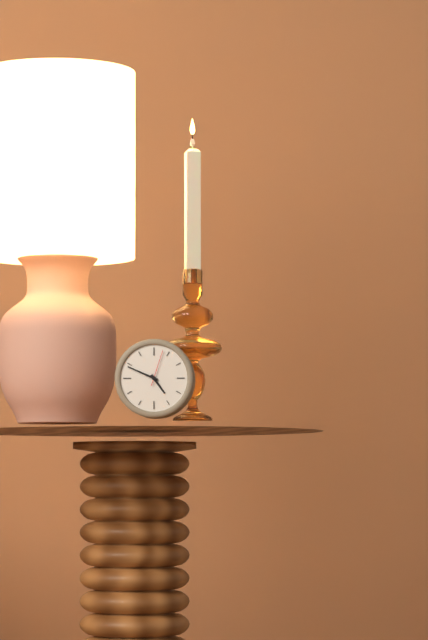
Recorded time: **4:49**
